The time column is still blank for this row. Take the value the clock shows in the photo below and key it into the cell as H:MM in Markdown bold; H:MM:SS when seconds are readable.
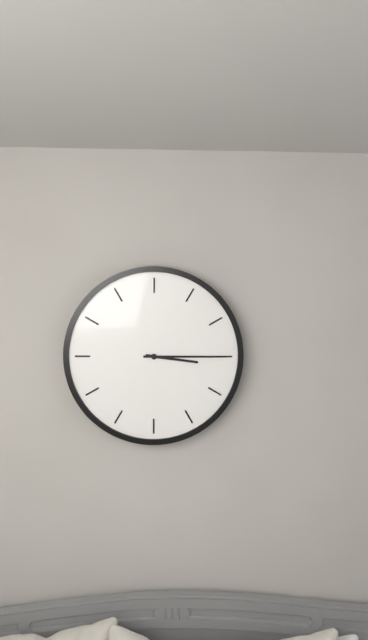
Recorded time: **3:15**
